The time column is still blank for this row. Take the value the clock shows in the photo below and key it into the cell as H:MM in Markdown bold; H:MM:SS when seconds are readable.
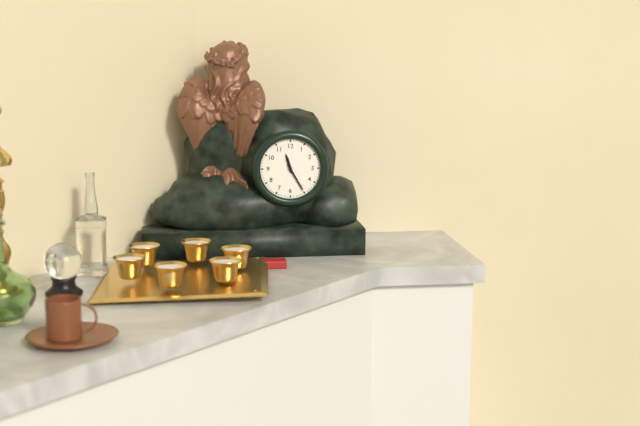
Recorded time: **11:25**
